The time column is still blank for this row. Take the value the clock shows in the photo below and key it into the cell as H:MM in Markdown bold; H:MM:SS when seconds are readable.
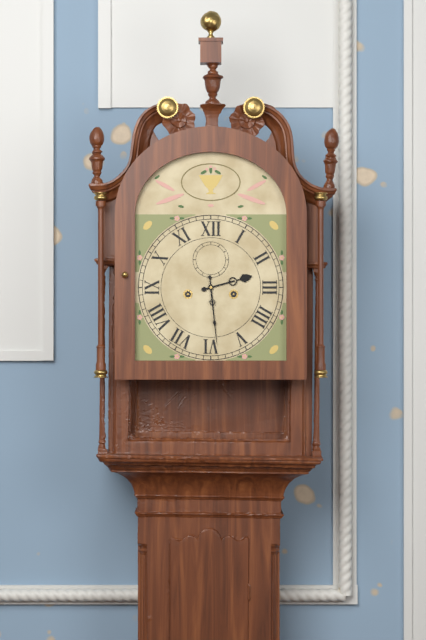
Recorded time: **2:29**
